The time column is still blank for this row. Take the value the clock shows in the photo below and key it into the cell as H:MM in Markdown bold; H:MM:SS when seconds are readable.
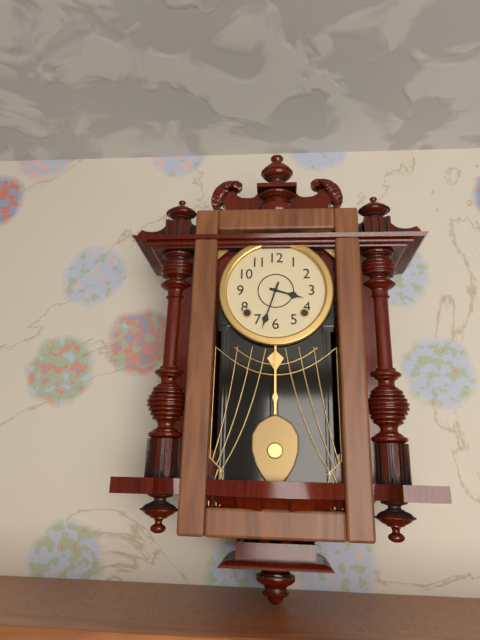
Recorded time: **3:33**
